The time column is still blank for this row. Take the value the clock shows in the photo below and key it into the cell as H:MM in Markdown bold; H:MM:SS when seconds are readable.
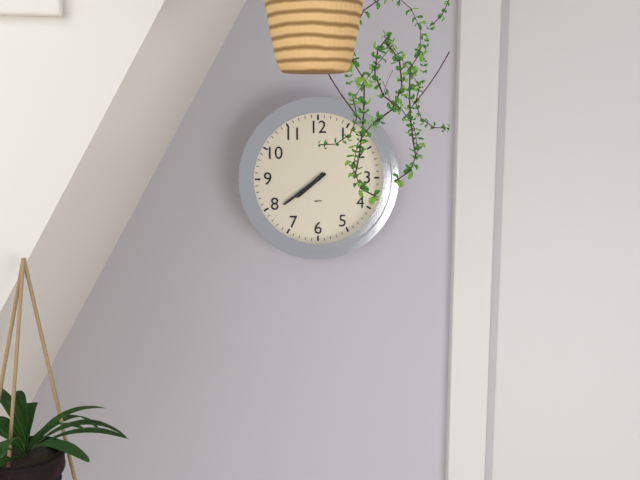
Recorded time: **7:39**
